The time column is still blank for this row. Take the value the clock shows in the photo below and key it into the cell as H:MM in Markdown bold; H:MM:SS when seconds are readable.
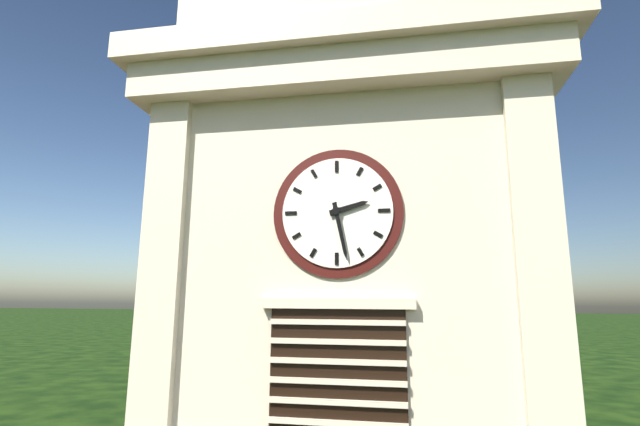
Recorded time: **2:28**
